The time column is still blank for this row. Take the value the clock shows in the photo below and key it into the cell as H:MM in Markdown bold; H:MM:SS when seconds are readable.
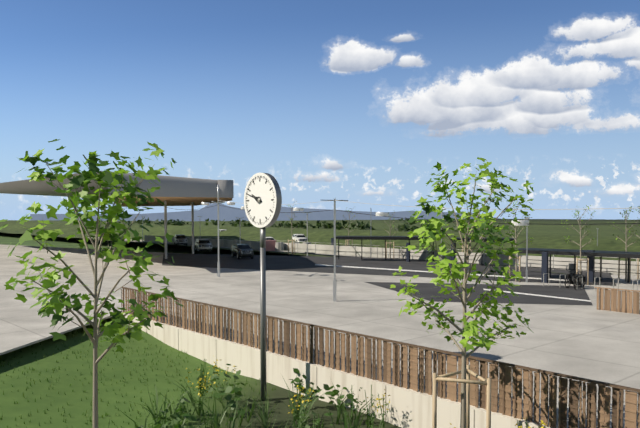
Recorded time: **9:48**
